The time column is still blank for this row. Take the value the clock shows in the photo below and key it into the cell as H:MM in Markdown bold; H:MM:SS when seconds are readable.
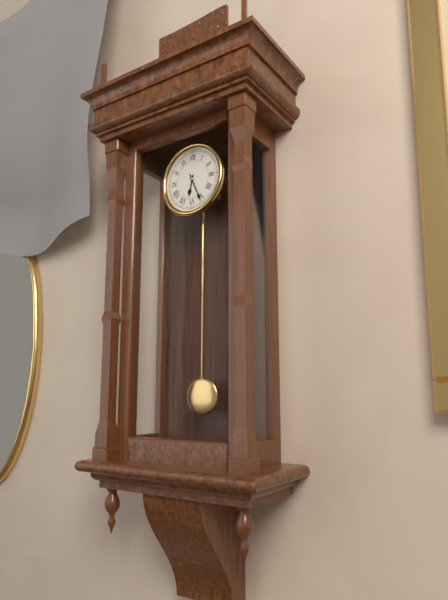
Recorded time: **6:26**
